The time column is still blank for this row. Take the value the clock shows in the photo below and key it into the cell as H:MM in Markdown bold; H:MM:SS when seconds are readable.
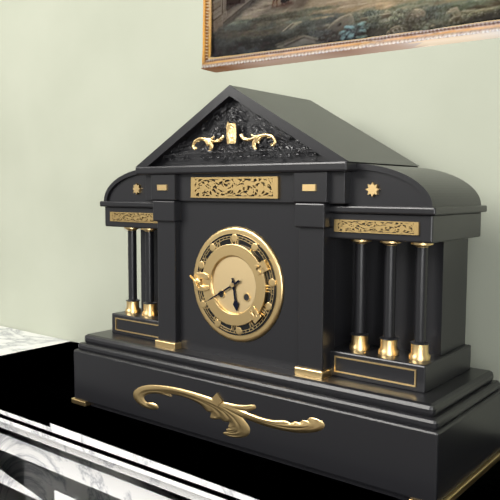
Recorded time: **5:40**
